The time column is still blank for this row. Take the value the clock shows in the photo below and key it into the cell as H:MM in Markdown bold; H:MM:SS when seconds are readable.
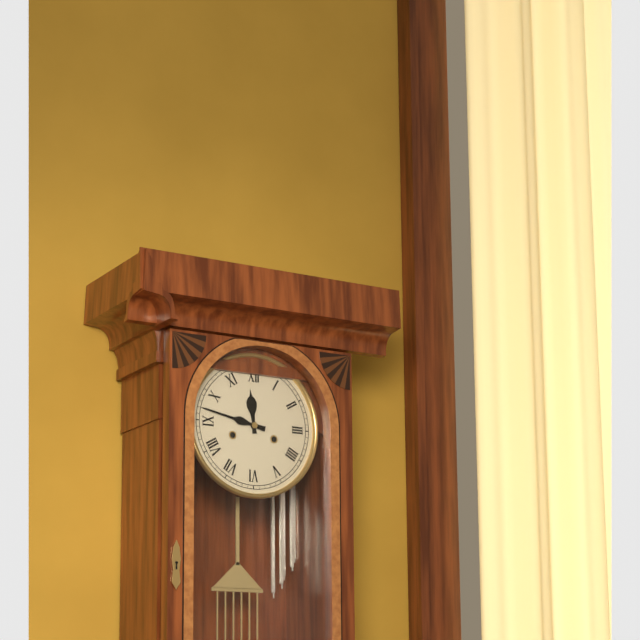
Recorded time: **11:47**
